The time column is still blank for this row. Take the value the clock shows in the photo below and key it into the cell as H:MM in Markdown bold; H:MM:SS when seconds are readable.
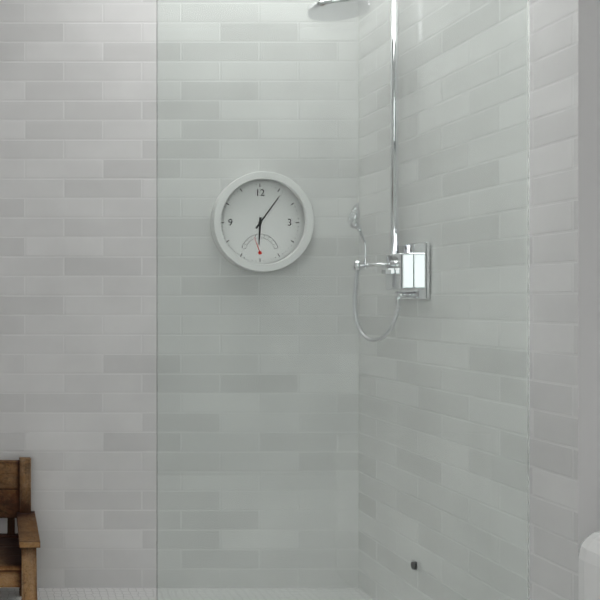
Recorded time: **6:06**
